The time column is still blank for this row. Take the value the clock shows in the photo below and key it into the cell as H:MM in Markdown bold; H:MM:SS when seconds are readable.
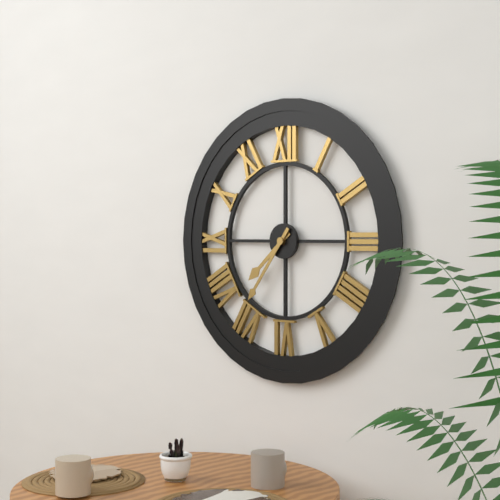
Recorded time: **7:36**
